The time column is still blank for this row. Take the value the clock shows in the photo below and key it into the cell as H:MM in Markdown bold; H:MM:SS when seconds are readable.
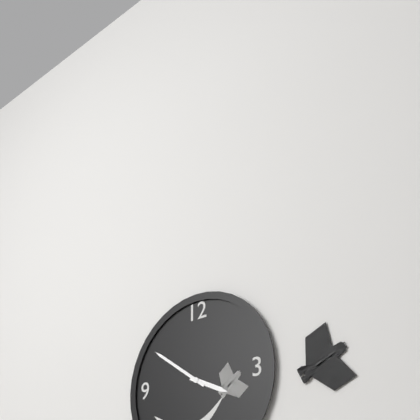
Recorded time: **3:51**
